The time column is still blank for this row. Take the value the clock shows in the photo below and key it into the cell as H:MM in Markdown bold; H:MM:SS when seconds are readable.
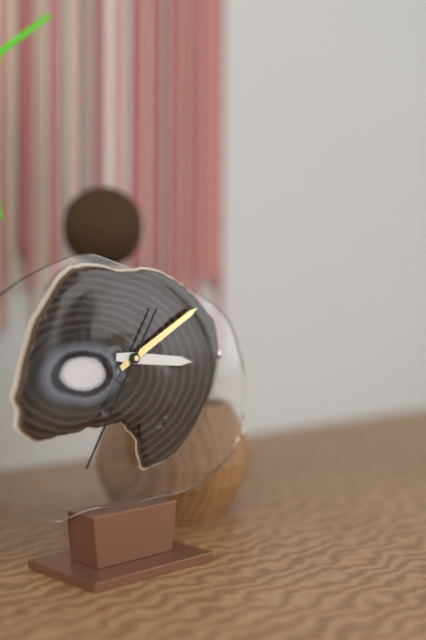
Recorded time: **3:10:35**
